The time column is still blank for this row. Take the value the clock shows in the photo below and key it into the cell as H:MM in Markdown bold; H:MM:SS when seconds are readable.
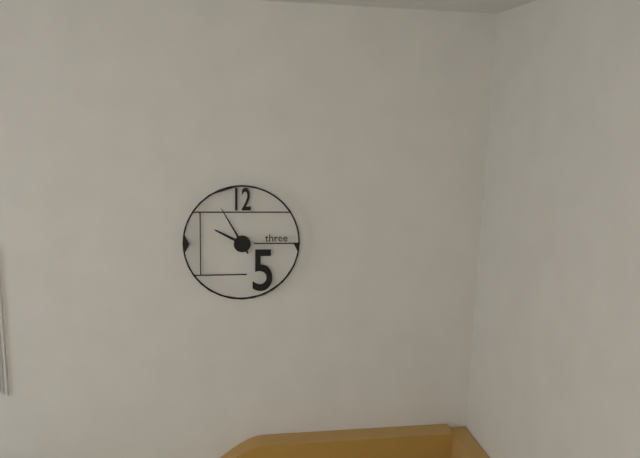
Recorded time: **9:55**
